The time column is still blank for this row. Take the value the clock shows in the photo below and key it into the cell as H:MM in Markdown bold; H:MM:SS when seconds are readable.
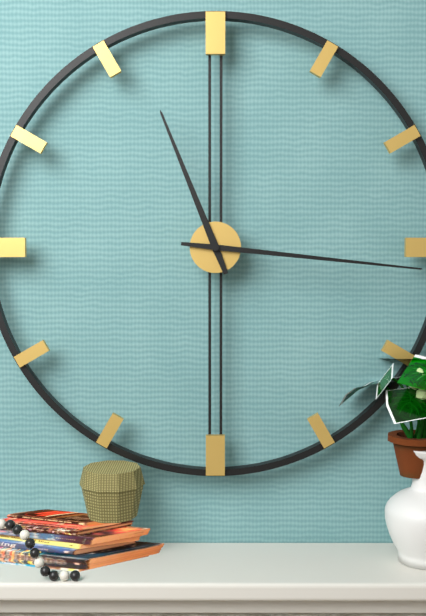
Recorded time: **11:16**
